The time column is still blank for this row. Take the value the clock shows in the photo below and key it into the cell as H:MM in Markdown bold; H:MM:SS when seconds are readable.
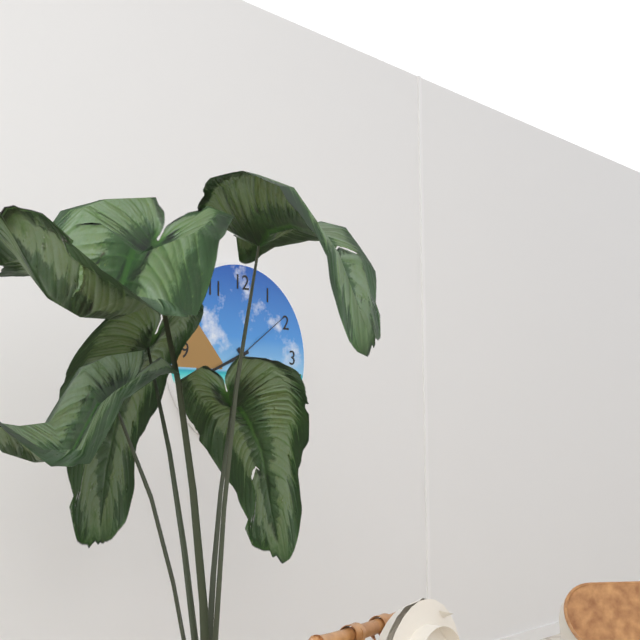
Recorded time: **4:41:09**
